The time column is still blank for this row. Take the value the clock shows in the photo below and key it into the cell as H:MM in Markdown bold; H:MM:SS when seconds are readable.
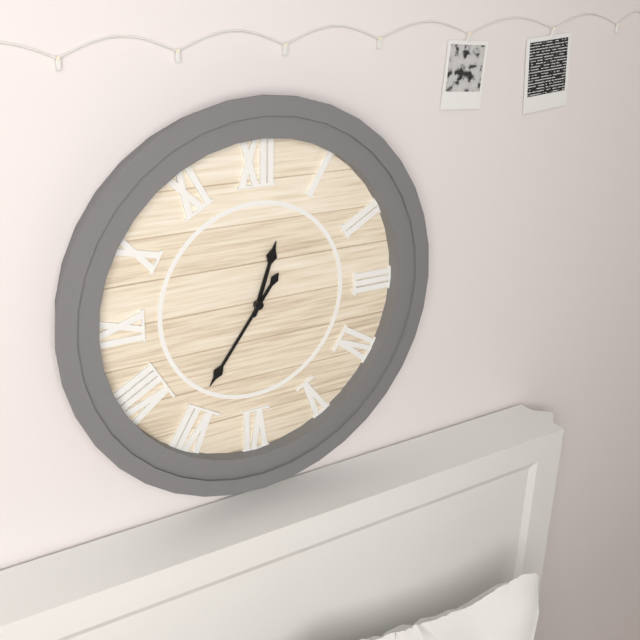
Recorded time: **12:36**
